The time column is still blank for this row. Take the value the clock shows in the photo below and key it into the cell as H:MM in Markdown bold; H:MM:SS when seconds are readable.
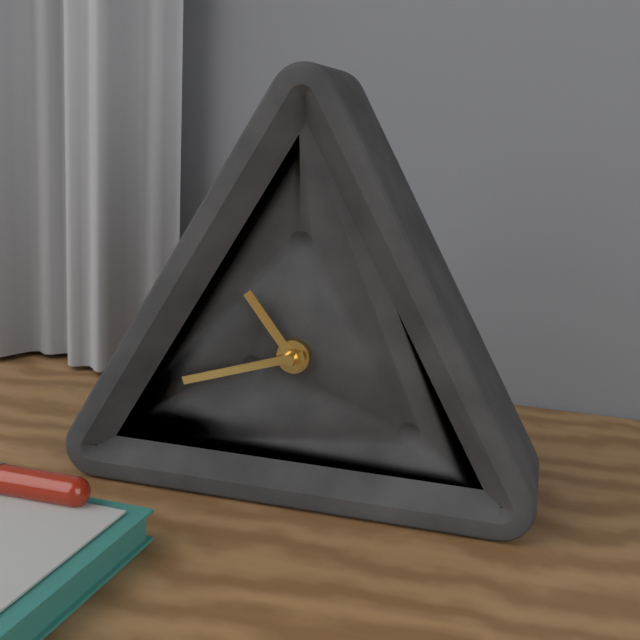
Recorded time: **10:42**
